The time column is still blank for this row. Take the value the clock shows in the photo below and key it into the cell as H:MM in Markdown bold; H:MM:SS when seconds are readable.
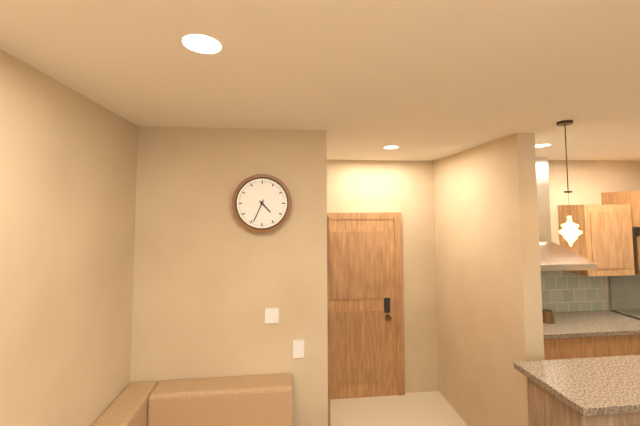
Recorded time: **4:34**
